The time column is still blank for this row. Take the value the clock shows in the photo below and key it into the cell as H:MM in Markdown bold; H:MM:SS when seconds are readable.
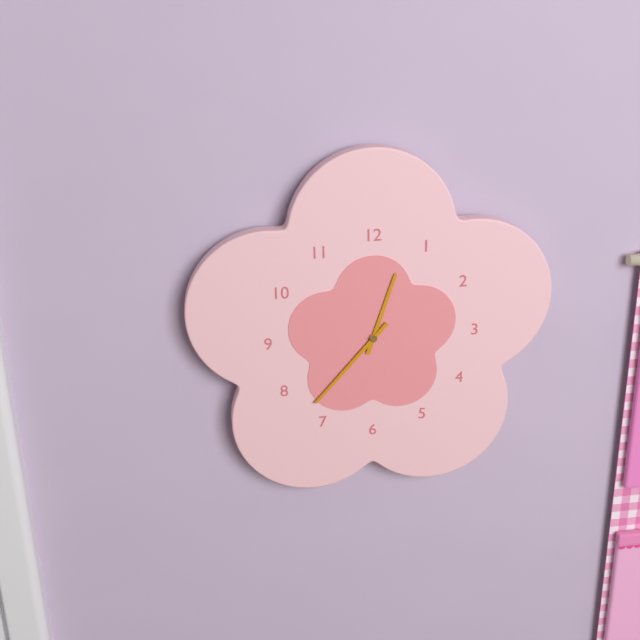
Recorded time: **12:37**
